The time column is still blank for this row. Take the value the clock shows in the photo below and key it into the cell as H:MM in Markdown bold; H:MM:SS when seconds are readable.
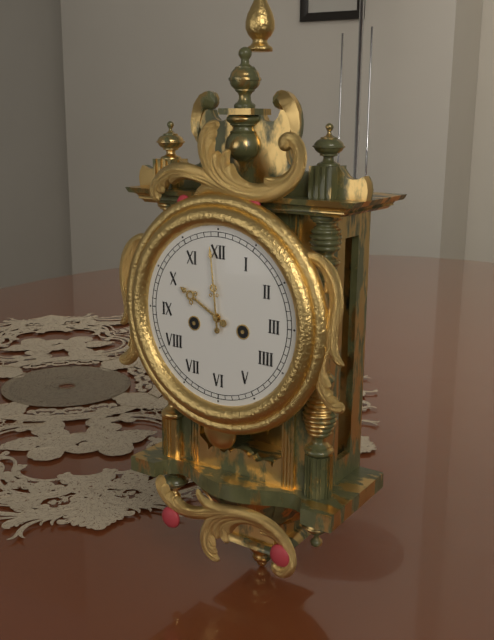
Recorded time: **9:59**
